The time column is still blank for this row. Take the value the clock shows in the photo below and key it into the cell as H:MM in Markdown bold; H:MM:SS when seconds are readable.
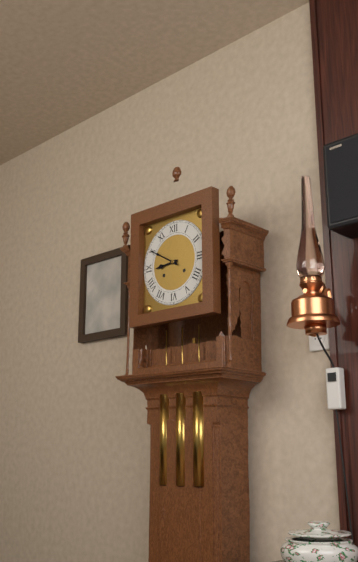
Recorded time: **8:50**
